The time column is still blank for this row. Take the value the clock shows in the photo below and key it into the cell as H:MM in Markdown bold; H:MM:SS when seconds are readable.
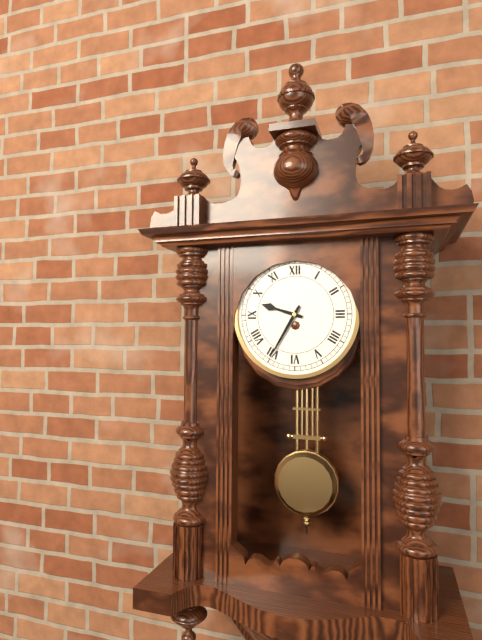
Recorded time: **9:35**
